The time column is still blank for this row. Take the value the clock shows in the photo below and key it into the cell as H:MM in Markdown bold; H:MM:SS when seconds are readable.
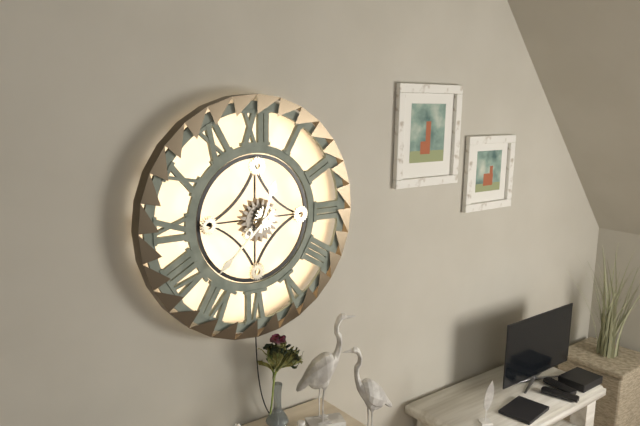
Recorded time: **12:38**
